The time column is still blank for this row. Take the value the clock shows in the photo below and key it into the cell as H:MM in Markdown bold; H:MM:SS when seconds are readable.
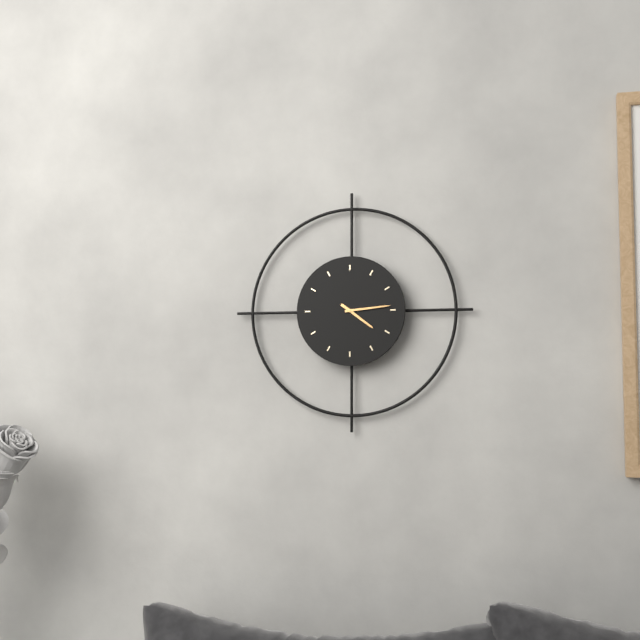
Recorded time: **4:14**
